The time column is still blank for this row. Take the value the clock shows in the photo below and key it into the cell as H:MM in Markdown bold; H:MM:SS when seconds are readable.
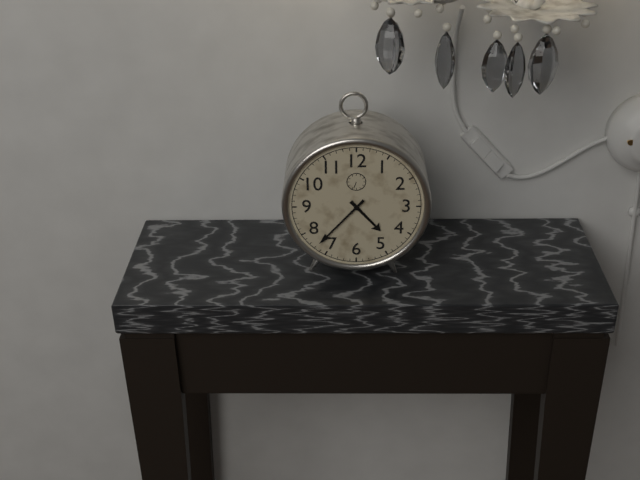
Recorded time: **4:37**
